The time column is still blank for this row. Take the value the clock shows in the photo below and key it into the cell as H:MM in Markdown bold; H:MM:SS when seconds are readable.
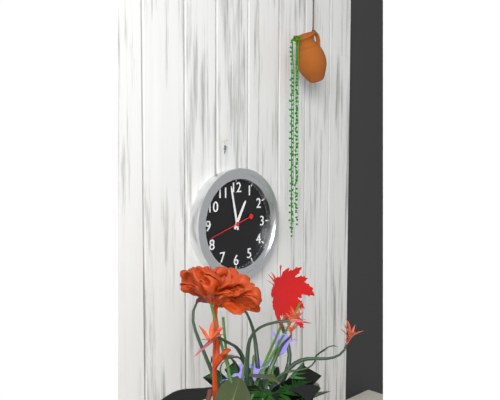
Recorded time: **12:58**
